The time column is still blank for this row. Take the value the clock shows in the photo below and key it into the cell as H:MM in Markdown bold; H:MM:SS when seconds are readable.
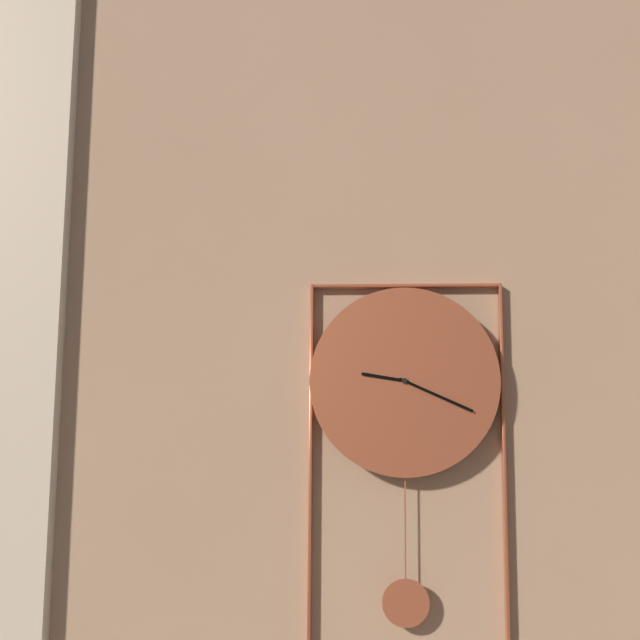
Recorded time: **9:19**
